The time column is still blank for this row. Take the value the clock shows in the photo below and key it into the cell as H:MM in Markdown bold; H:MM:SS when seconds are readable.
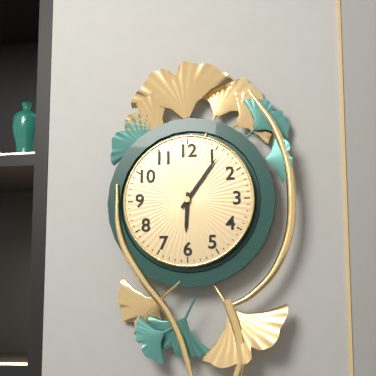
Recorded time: **6:06**
